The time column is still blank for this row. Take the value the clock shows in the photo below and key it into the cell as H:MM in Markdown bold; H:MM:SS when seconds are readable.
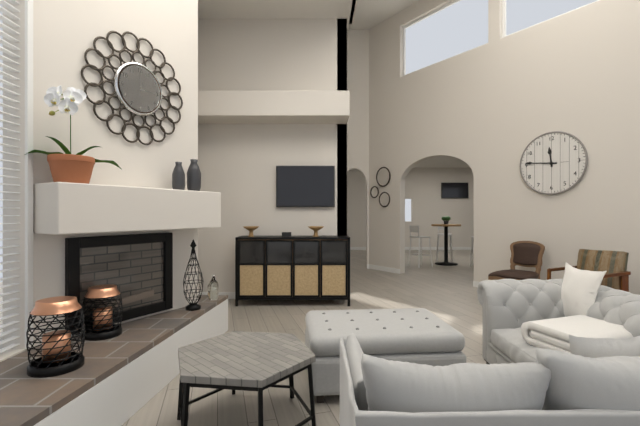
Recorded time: **11:46**
